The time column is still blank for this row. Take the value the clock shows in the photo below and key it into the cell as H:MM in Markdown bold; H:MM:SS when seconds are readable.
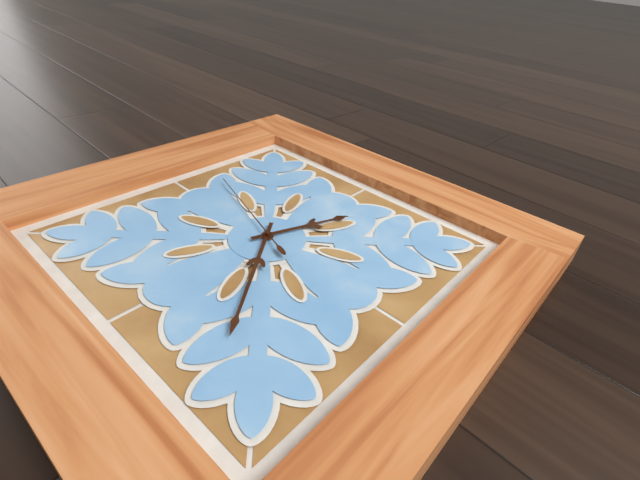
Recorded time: **3:39:03**
